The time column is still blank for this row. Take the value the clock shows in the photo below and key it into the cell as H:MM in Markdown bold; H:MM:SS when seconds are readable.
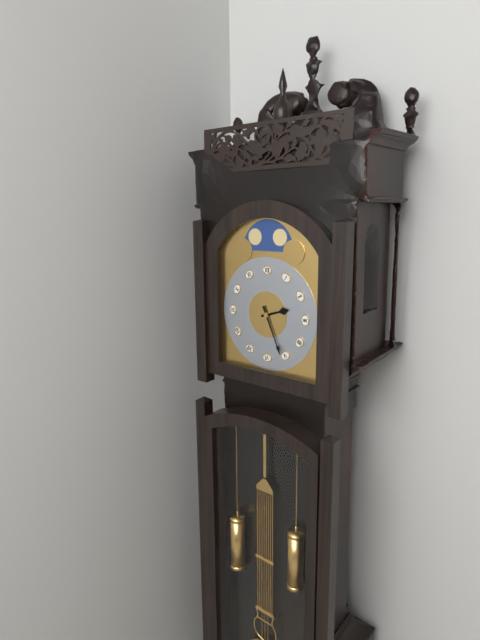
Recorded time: **2:26**
